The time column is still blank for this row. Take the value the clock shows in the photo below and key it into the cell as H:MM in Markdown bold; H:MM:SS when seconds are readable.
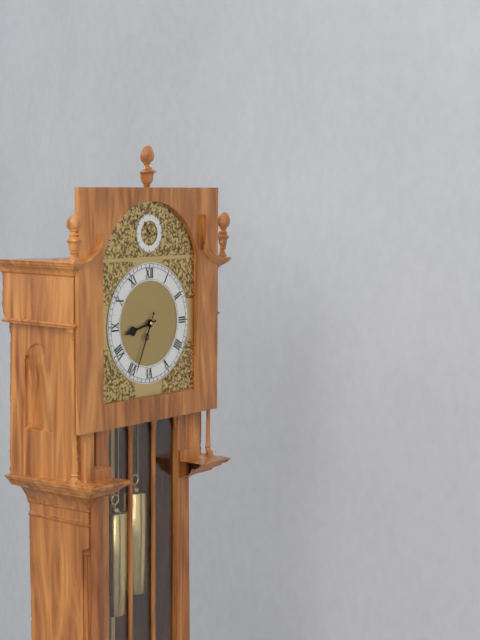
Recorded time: **8:34**
